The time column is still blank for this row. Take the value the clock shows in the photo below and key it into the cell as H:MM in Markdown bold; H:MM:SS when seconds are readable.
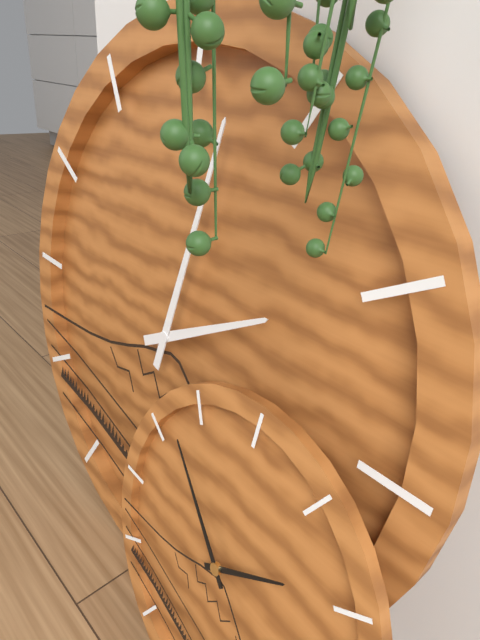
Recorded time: **2:02**
